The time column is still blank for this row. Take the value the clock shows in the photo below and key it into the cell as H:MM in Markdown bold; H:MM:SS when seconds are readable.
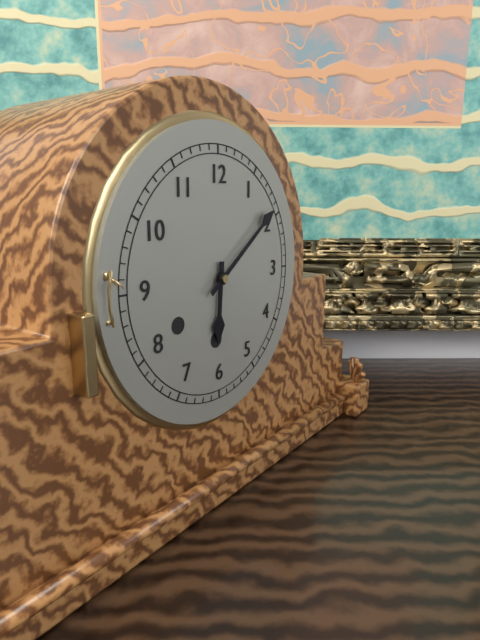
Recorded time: **6:09**
